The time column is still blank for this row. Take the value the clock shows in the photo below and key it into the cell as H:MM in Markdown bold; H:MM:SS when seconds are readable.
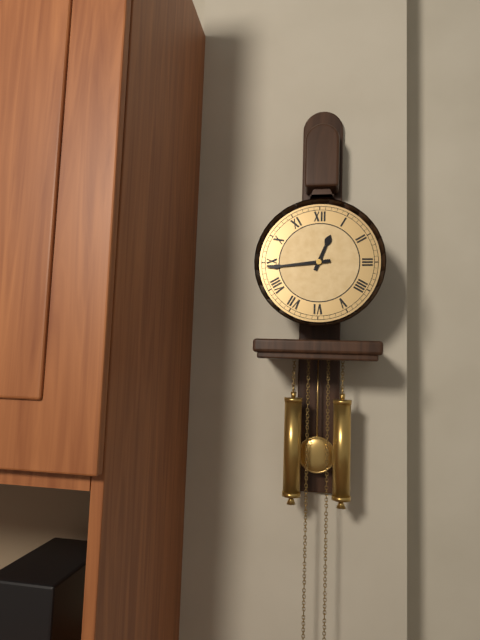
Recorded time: **12:44**
